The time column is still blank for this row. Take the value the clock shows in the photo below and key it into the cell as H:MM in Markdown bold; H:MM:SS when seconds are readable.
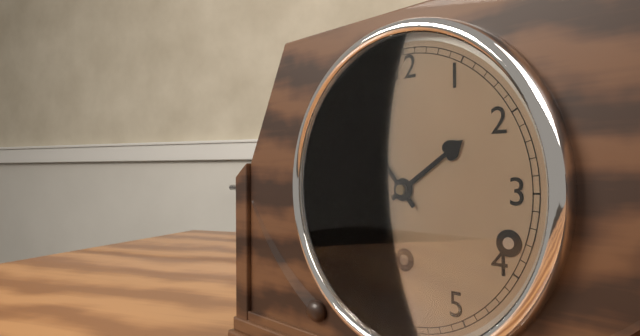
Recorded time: **1:53**
